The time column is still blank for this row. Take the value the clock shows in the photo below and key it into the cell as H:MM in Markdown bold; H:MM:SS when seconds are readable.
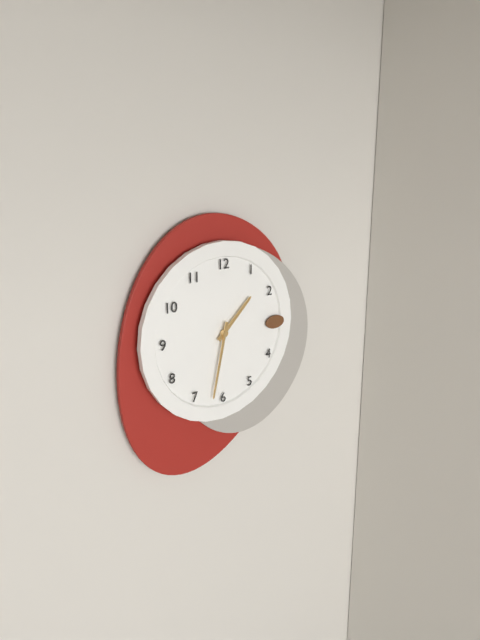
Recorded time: **1:32**
